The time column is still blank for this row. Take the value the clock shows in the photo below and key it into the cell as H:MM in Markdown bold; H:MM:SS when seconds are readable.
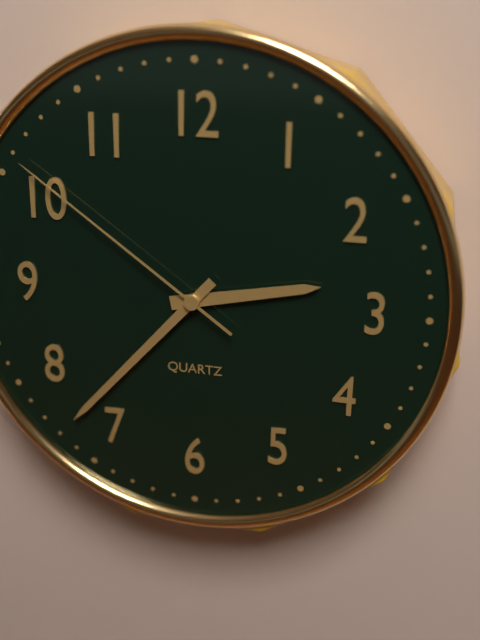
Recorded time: **2:37:51**
